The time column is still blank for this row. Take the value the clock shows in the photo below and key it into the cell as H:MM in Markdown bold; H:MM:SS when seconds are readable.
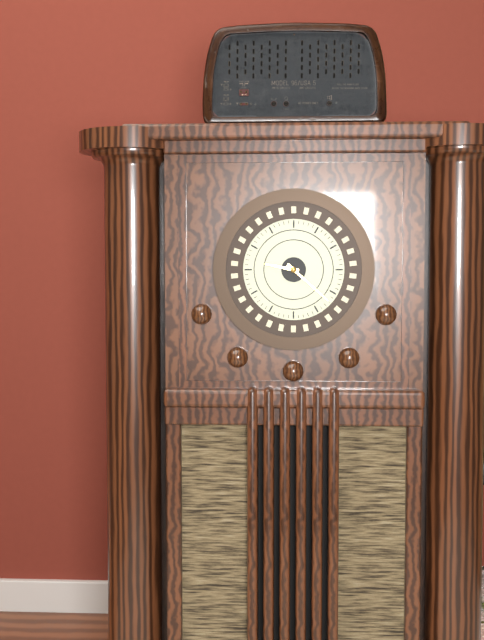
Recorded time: **9:22**
